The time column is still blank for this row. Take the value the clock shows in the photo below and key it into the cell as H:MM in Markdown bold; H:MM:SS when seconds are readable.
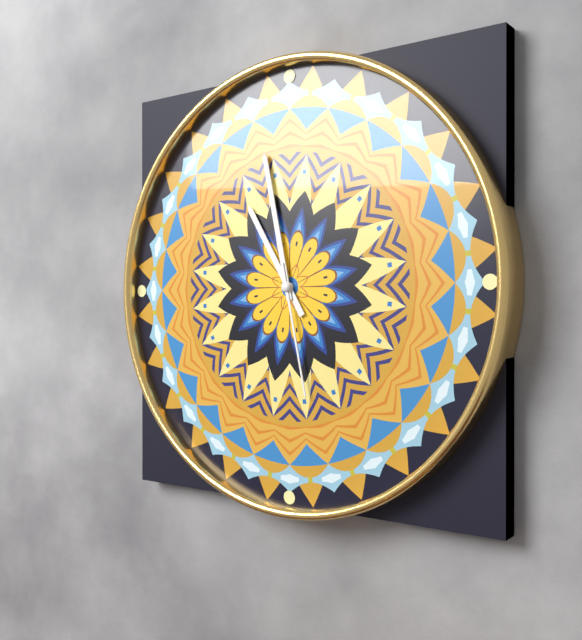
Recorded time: **10:58:28**
